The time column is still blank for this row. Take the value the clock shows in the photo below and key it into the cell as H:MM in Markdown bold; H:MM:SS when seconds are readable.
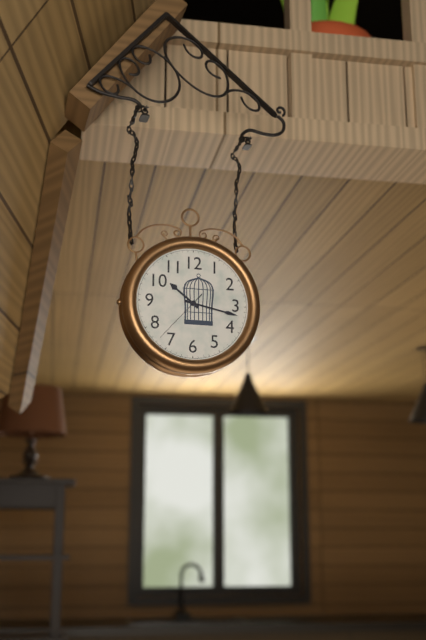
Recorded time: **10:17:37**
